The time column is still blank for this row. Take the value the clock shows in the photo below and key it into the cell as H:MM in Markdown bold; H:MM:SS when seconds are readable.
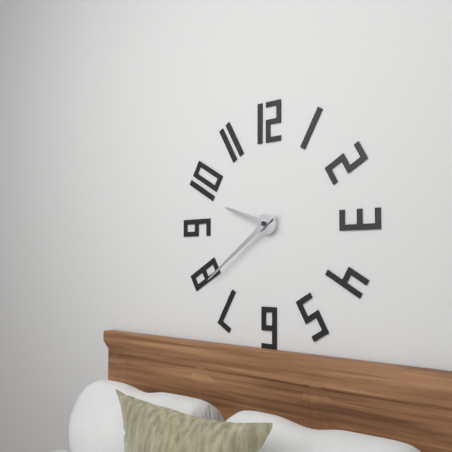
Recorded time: **9:39**
